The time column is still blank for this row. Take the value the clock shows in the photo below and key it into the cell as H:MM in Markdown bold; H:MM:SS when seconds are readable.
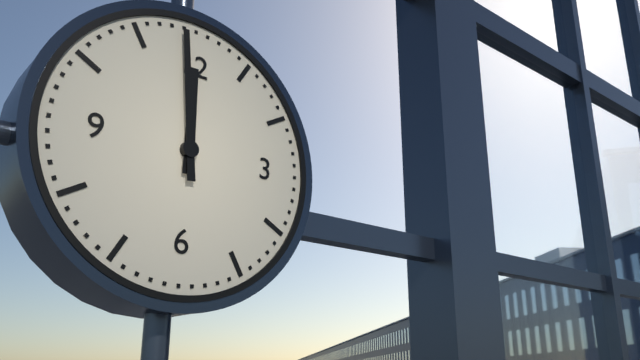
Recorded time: **11:59**
